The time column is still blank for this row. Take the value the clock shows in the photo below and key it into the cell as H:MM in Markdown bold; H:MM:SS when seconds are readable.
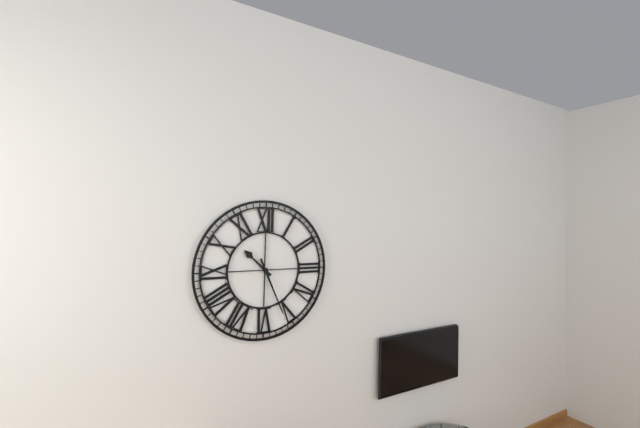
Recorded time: **10:26**
